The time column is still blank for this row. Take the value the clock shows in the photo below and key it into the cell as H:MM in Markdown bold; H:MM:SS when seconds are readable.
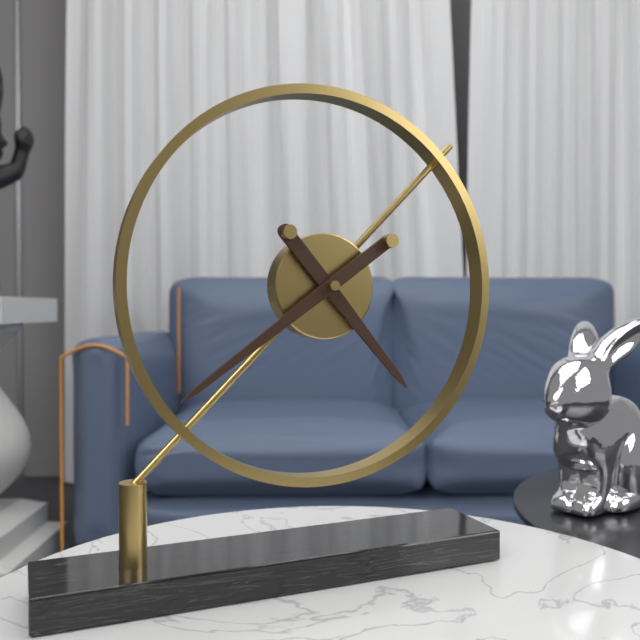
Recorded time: **4:39**
